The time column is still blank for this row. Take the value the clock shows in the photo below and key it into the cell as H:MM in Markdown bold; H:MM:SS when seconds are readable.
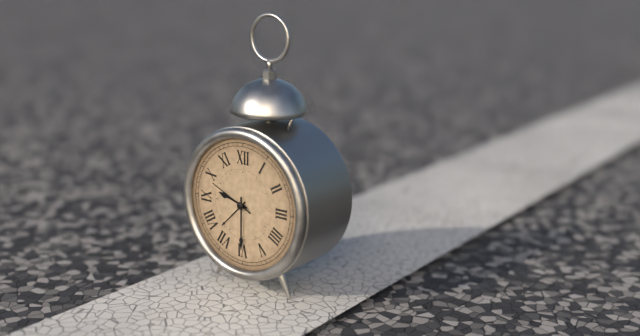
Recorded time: **9:30**
